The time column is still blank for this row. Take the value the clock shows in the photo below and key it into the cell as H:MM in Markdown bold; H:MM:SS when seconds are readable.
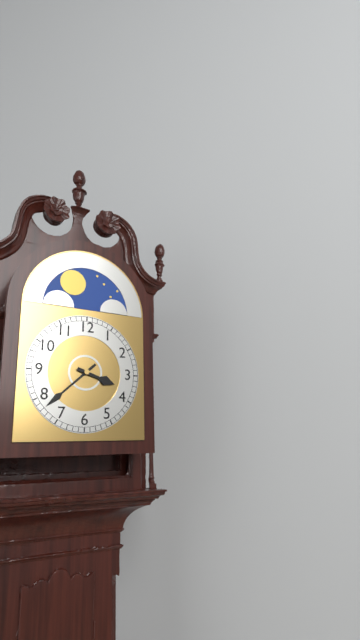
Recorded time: **3:38**
